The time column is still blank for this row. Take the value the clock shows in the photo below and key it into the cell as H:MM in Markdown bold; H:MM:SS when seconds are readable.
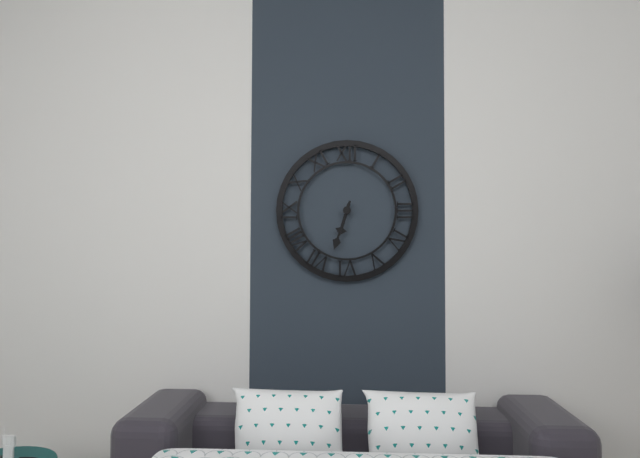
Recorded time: **6:33**
